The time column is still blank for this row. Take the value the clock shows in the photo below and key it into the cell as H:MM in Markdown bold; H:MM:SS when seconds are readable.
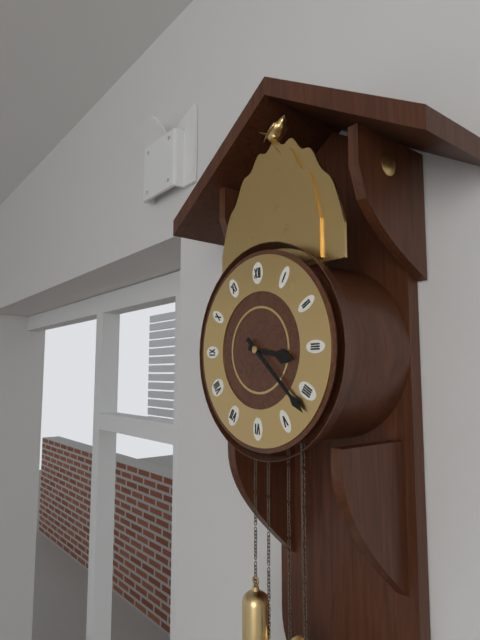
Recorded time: **3:22**
